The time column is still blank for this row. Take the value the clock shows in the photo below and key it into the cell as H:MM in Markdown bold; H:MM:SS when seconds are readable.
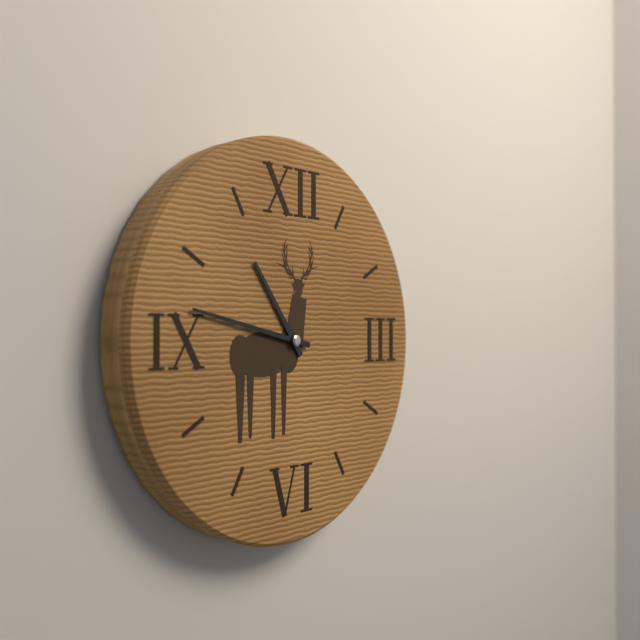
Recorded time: **10:47**
